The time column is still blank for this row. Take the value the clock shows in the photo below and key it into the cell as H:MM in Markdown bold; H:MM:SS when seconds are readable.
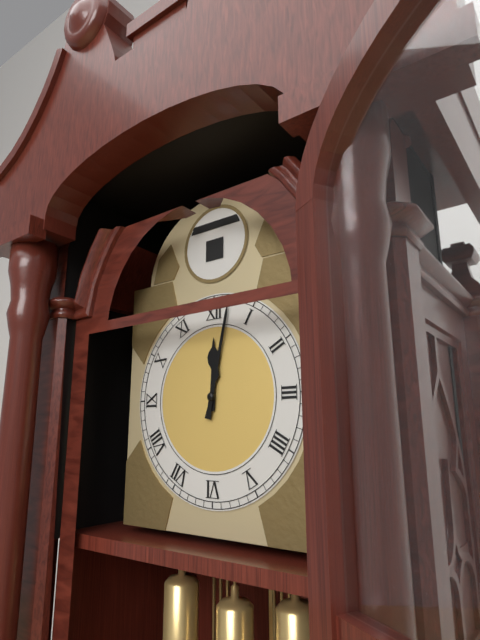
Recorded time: **12:02**
